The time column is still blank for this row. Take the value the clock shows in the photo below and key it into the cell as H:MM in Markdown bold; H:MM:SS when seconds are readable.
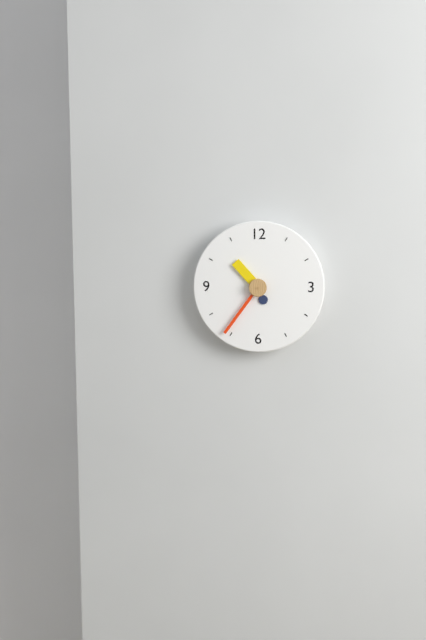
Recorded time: **10:36**
